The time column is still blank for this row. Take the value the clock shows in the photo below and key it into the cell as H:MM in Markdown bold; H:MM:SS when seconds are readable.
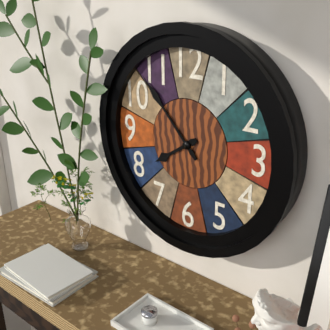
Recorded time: **7:53**
